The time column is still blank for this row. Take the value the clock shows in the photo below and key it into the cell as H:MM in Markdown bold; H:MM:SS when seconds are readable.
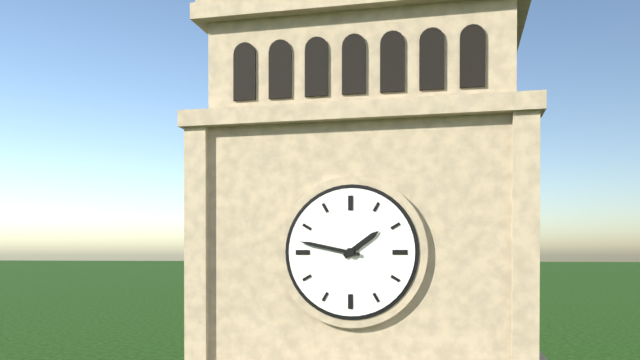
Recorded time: **1:47**
